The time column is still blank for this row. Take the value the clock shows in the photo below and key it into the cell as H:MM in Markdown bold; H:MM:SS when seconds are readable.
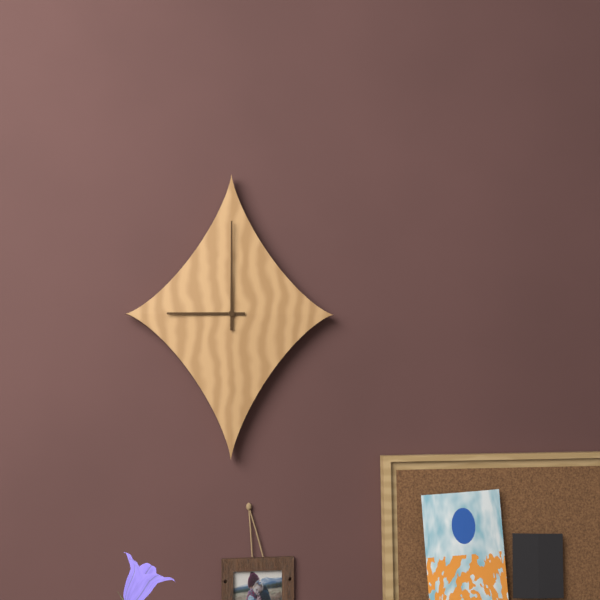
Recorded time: **9:00**
